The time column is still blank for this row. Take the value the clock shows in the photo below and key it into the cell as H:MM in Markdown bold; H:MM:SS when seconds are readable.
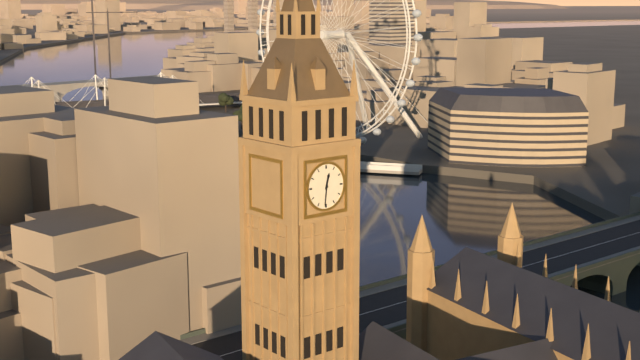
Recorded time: **12:31**
